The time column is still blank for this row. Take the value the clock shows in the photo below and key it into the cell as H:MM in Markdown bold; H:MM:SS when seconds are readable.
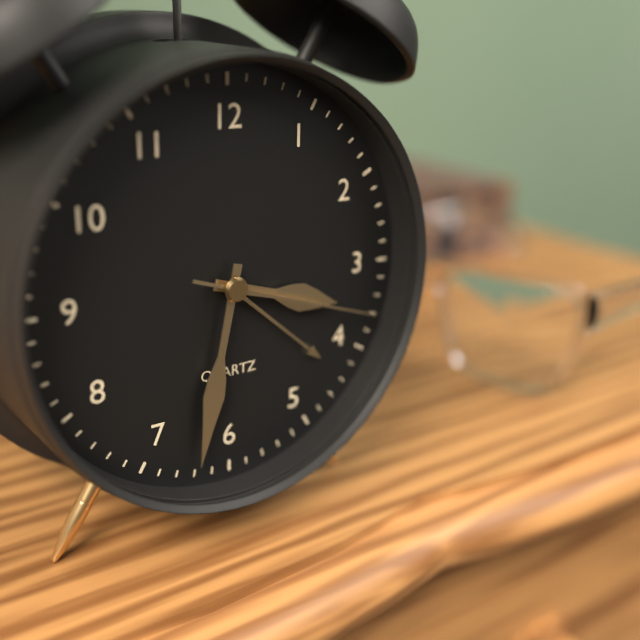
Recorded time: **3:32:18**
